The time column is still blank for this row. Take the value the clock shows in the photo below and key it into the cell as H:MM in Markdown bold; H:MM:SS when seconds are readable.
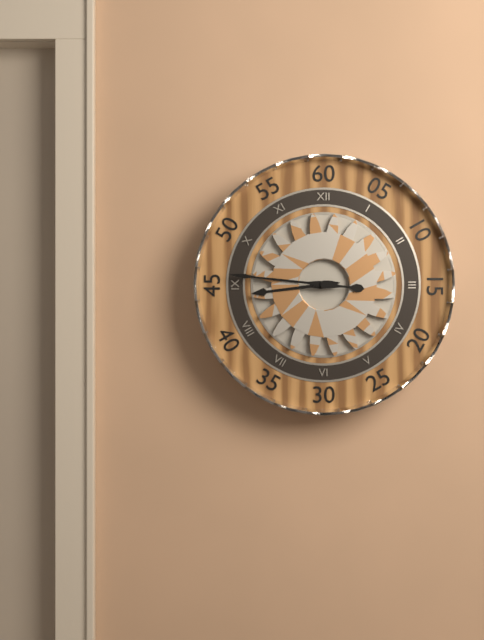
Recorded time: **8:46**
